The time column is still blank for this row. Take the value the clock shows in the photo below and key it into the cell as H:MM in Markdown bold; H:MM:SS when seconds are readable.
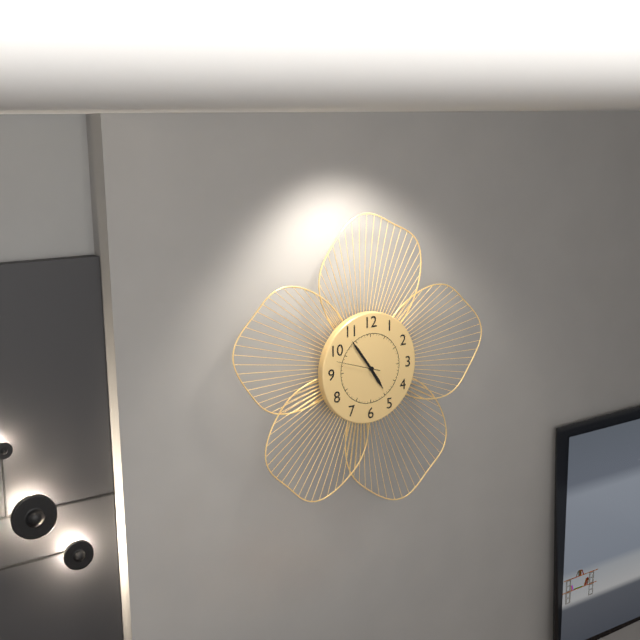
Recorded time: **4:54**
